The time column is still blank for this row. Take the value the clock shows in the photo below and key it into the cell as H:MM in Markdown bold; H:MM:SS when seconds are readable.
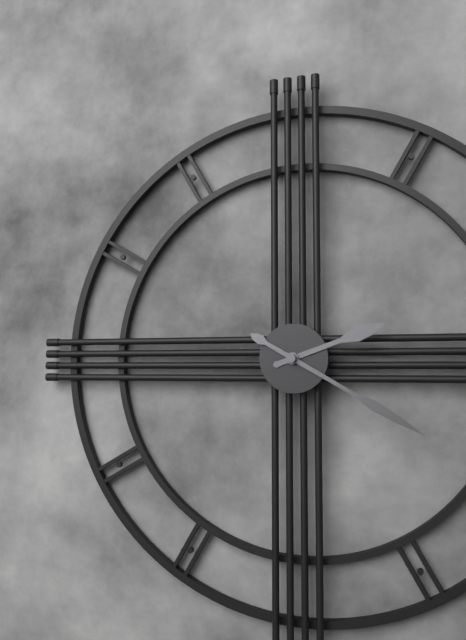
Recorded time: **2:20**
